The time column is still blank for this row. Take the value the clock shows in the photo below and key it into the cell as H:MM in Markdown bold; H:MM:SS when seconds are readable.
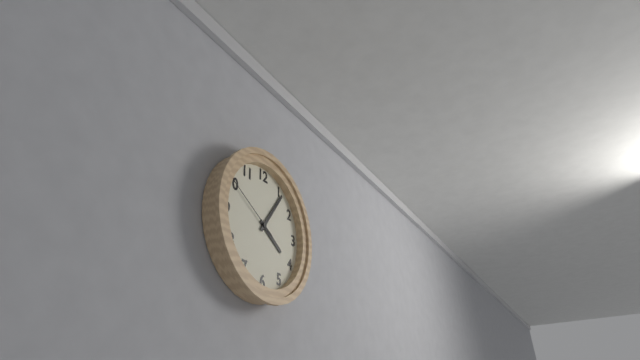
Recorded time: **4:06:50**
